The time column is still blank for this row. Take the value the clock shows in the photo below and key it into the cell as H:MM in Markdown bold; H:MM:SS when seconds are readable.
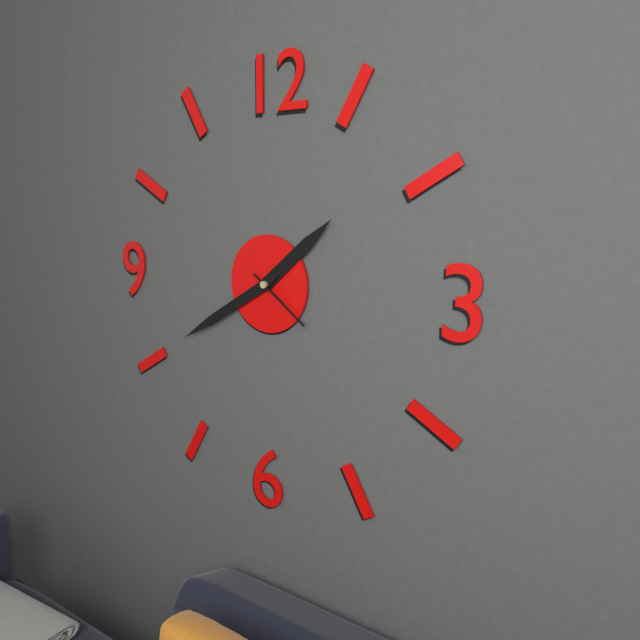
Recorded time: **1:40:21**
